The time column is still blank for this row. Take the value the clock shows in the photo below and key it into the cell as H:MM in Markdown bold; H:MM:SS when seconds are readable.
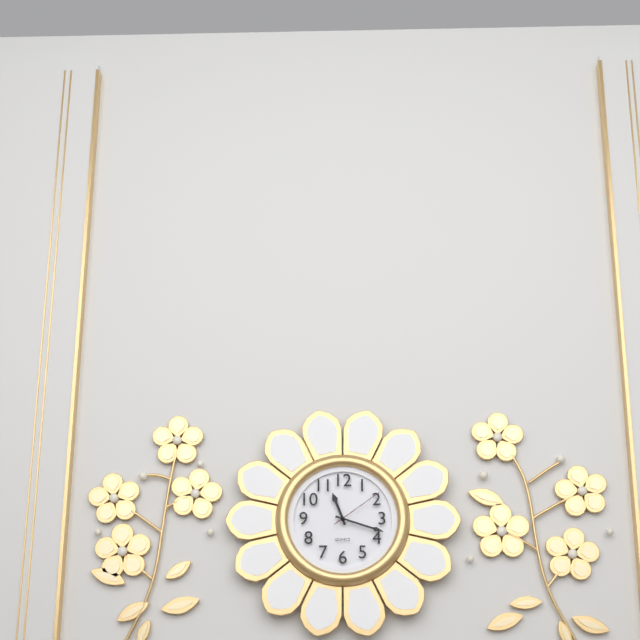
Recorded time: **11:18:09**
